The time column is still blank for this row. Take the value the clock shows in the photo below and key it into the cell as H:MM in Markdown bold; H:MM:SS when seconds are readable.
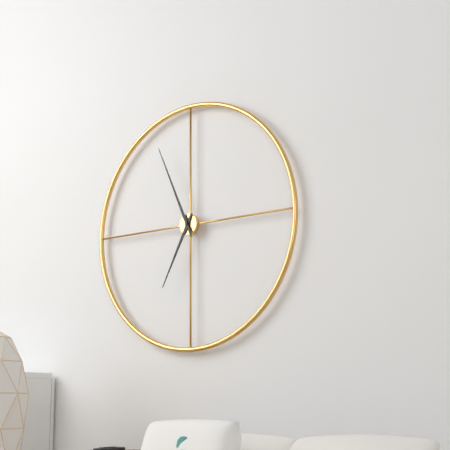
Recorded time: **6:56**
